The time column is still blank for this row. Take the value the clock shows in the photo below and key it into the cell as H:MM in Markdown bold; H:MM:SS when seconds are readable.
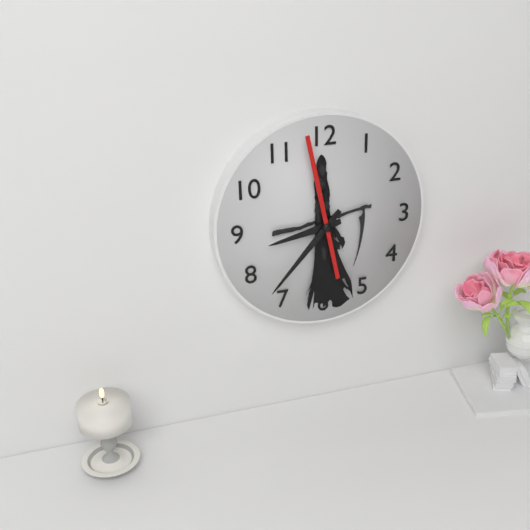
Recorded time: **8:37:58**
